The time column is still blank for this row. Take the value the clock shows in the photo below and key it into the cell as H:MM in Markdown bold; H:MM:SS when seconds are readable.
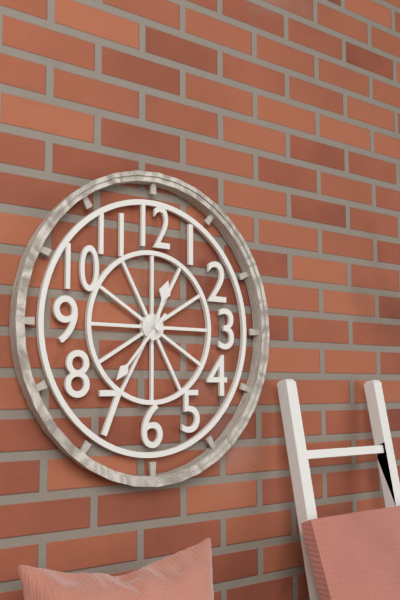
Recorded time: **12:37**
